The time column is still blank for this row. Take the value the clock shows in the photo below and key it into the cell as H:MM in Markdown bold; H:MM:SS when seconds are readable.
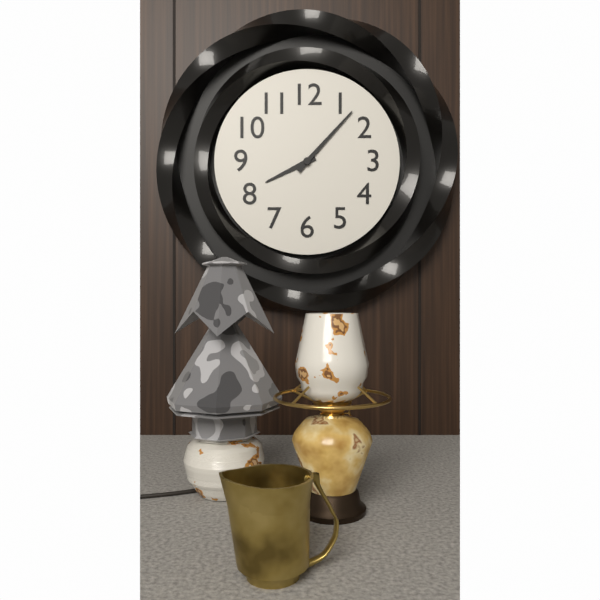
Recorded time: **8:07**
